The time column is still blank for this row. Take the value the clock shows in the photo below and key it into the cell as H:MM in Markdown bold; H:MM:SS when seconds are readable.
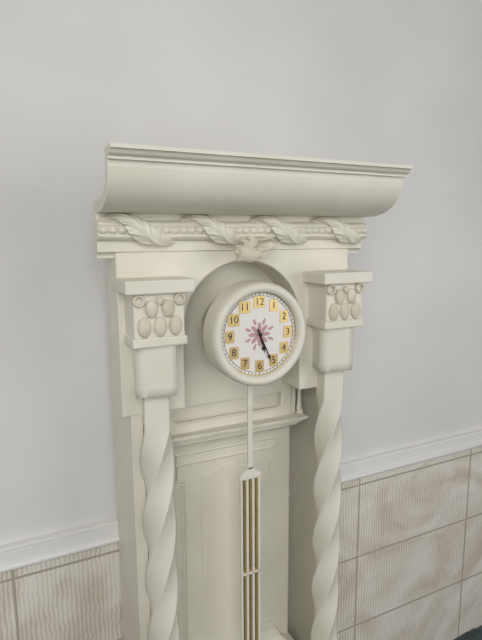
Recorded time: **5:26**
